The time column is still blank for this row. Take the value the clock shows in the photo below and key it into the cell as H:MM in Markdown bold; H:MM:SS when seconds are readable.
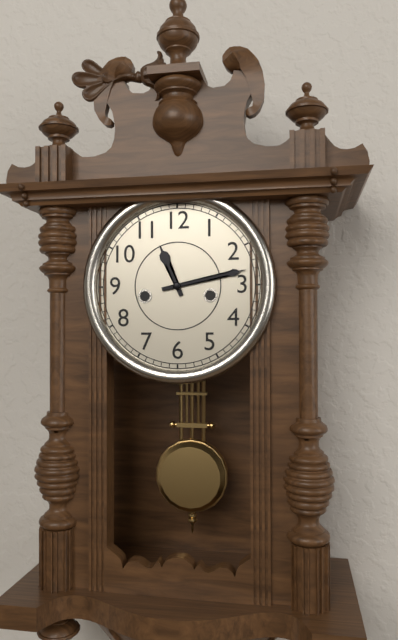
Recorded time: **11:13**
